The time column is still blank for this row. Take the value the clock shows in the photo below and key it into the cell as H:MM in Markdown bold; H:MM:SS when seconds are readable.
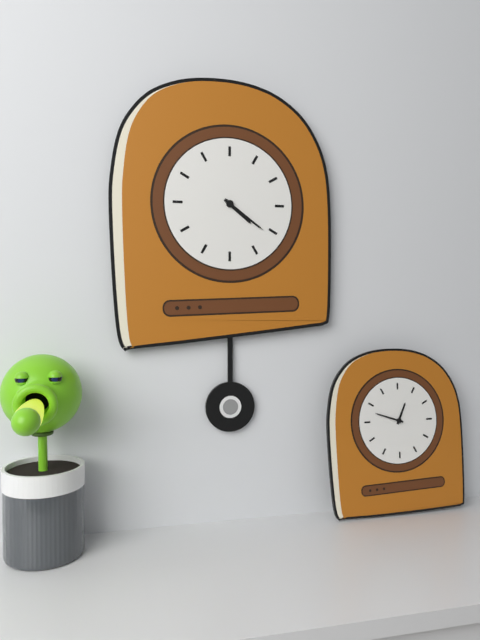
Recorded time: **4:21**
